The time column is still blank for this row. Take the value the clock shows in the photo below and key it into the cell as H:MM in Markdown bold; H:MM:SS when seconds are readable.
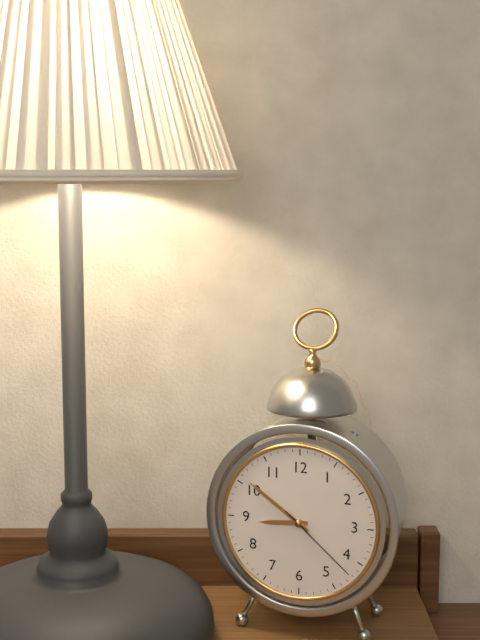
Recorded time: **8:51:22**
